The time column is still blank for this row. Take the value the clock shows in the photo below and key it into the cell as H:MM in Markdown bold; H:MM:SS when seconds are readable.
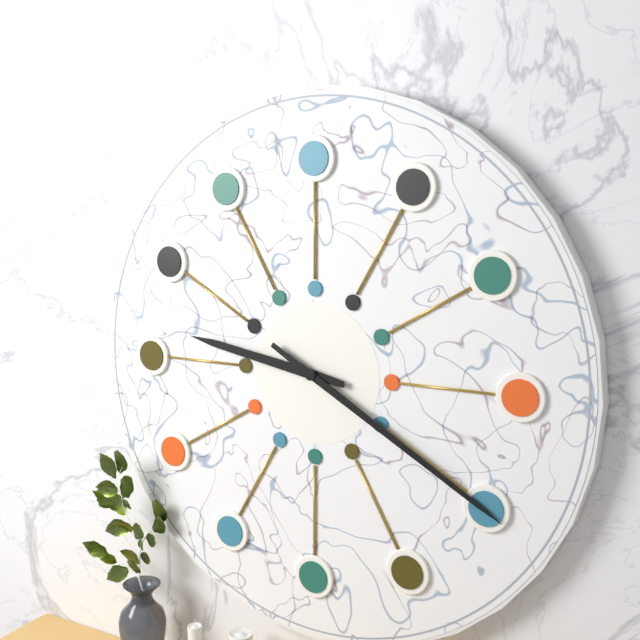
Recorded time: **9:20**
